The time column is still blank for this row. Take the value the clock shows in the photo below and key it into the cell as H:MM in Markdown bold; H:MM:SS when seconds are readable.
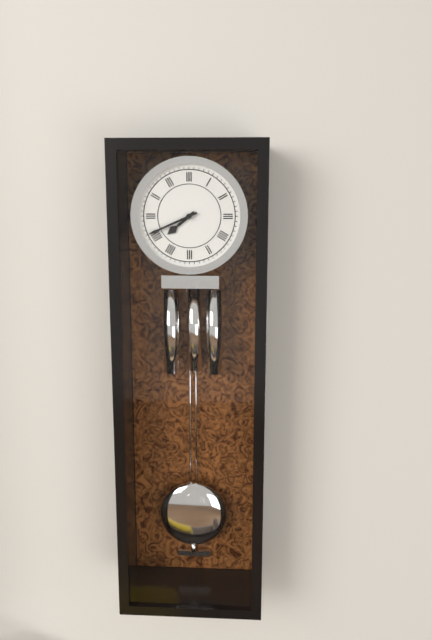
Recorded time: **7:41**
